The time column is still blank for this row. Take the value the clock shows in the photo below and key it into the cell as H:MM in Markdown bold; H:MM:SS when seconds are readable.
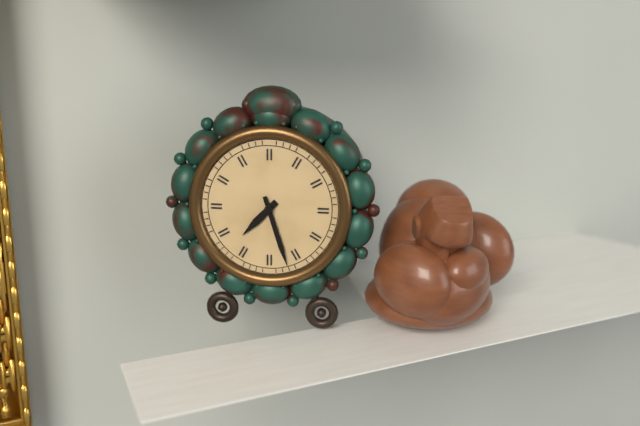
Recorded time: **7:27**
